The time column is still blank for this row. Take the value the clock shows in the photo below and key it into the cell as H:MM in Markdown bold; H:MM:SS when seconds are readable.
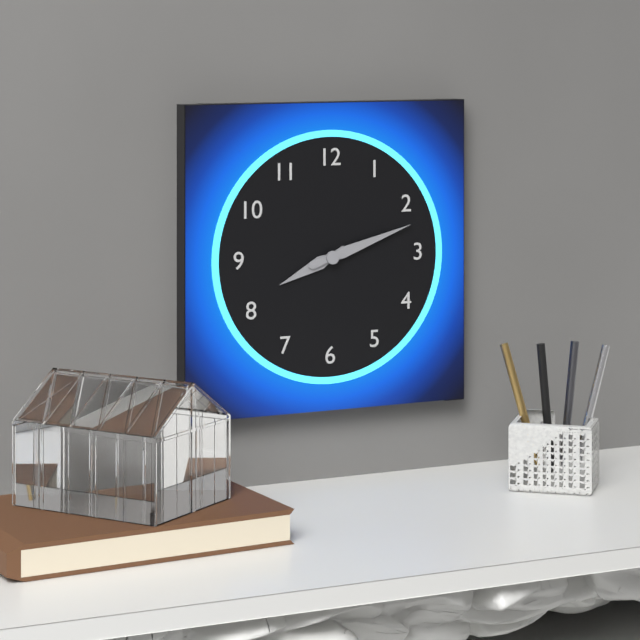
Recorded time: **8:12**
